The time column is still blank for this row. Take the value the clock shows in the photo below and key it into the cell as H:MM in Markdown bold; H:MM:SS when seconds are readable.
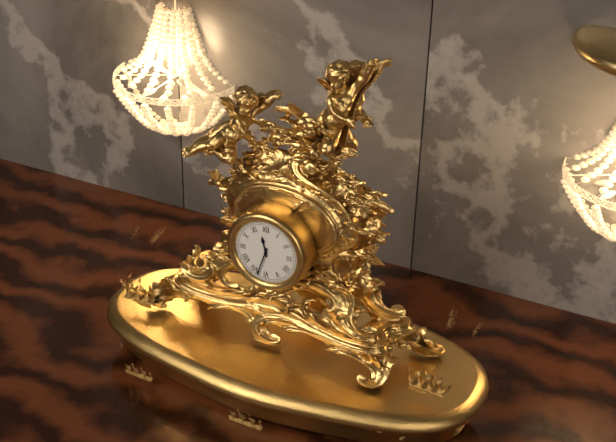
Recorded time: **11:33**
